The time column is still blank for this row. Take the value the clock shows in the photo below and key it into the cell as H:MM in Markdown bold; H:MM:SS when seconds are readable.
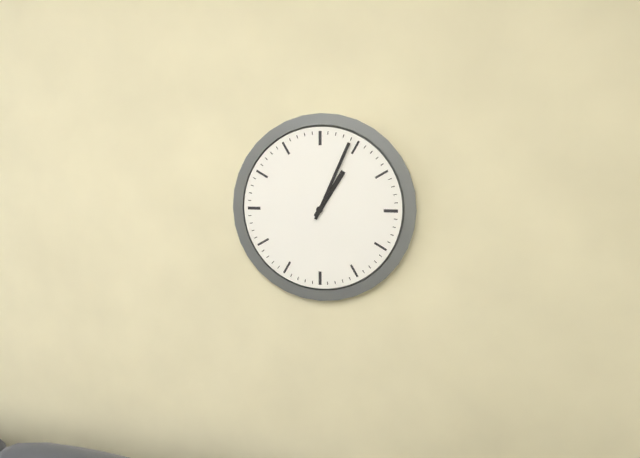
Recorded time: **1:04**
